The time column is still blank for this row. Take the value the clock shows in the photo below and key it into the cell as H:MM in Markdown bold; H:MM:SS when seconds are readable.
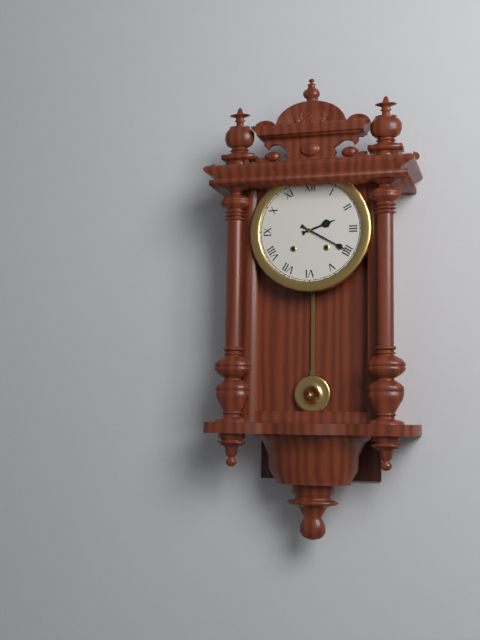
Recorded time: **2:20**
